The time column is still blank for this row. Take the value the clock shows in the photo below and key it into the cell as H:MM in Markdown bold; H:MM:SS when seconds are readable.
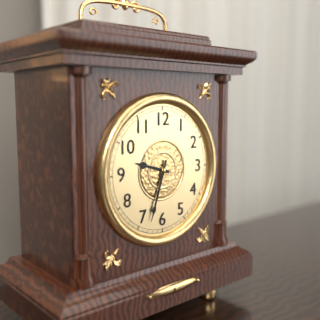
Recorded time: **9:33**
